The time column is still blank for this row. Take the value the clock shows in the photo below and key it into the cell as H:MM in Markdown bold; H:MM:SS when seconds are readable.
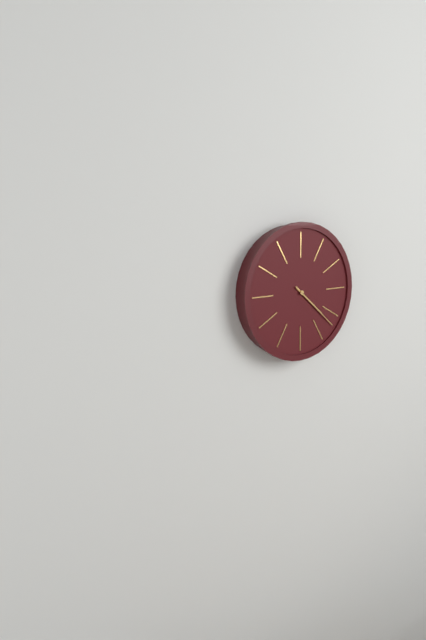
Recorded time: **4:22**
